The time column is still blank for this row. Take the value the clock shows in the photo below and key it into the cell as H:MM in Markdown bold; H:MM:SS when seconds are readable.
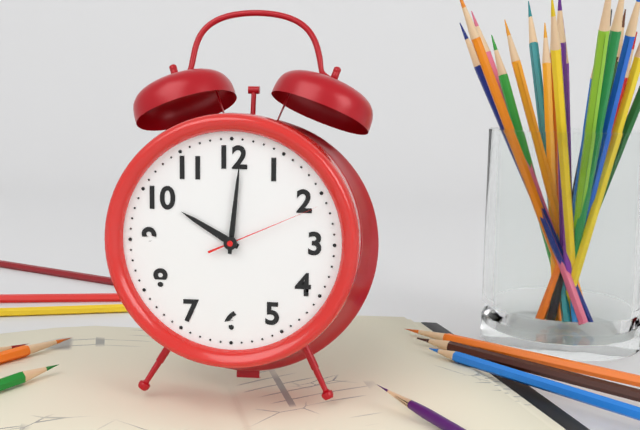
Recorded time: **10:01:11**
